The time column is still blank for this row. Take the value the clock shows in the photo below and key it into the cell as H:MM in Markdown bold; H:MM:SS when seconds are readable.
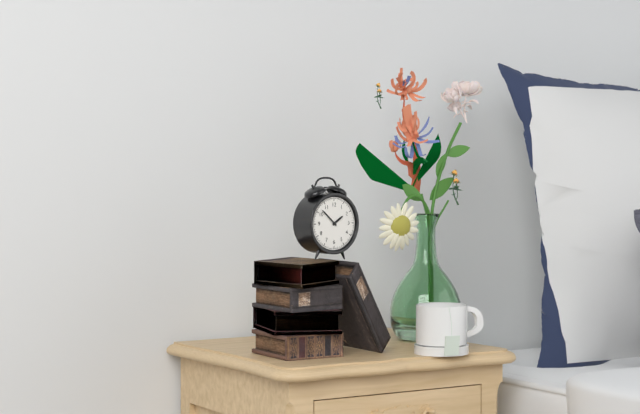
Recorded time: **1:52**
